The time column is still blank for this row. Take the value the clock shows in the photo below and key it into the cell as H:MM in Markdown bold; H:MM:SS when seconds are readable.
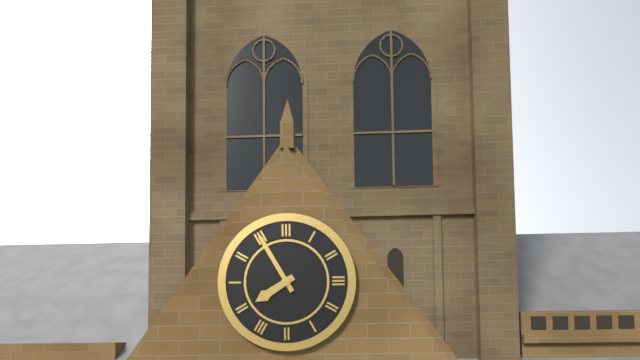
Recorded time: **7:55**
